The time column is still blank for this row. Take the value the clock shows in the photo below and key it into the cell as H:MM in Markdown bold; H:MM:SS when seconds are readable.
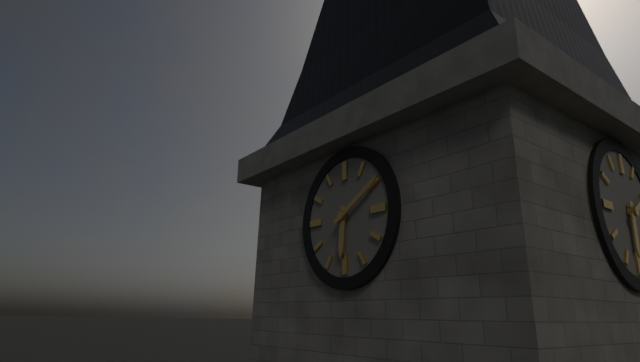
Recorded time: **6:10**
